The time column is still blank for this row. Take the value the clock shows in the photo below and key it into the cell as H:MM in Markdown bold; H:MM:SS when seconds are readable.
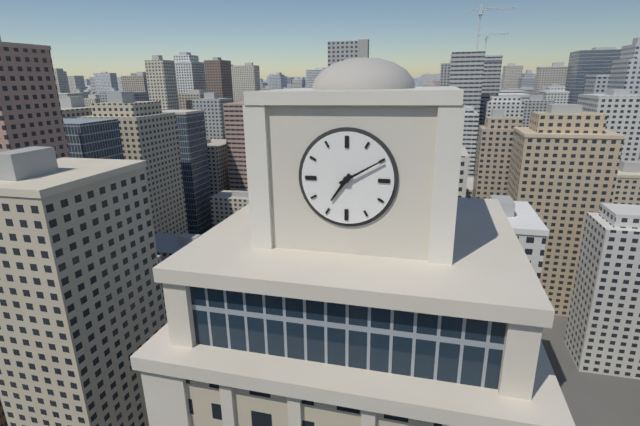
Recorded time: **7:10**
